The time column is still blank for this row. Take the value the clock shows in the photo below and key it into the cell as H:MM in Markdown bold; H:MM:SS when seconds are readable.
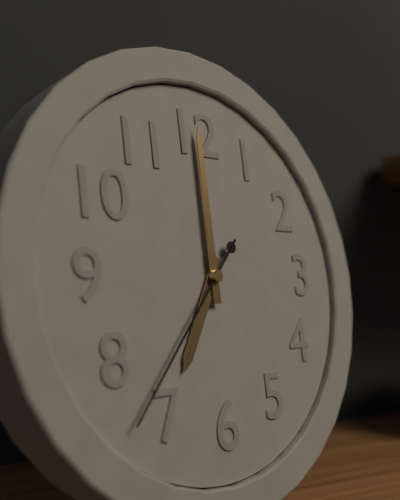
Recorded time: **7:00:37**
